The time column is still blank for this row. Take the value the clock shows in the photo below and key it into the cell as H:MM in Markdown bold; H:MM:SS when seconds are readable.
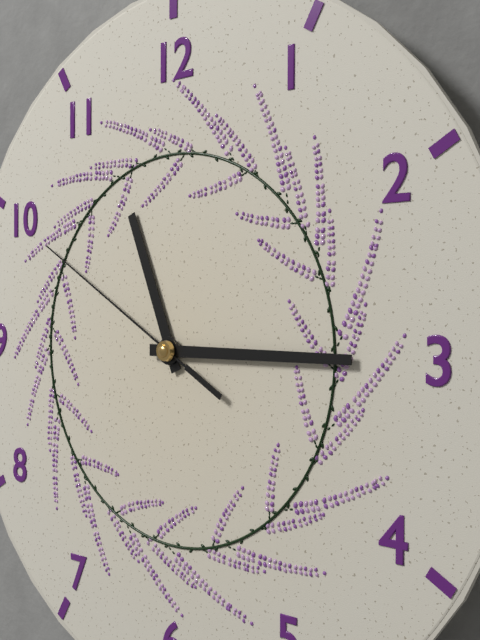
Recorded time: **11:15:50**
